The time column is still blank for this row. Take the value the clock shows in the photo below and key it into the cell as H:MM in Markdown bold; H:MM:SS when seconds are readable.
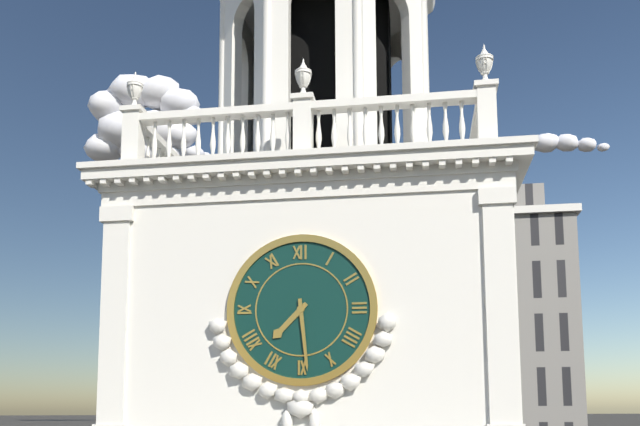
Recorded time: **7:29**
